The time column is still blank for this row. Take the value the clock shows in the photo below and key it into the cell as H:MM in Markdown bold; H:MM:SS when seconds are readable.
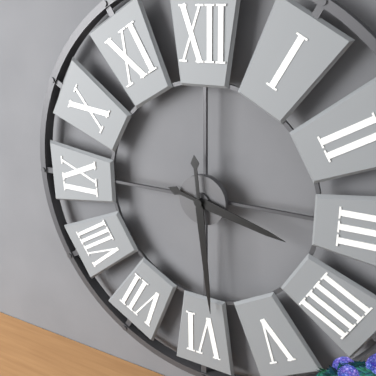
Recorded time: **3:29**
